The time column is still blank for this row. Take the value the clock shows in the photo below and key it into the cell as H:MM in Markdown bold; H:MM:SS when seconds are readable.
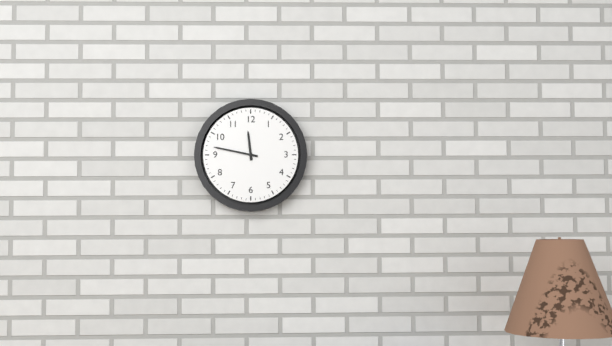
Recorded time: **11:47**
